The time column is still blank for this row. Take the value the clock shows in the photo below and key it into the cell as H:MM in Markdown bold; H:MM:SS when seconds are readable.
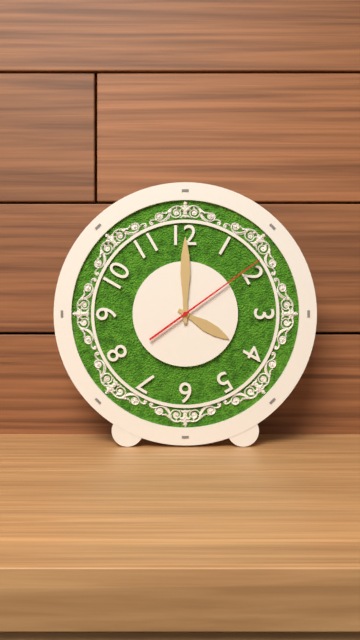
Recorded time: **4:00:09**
